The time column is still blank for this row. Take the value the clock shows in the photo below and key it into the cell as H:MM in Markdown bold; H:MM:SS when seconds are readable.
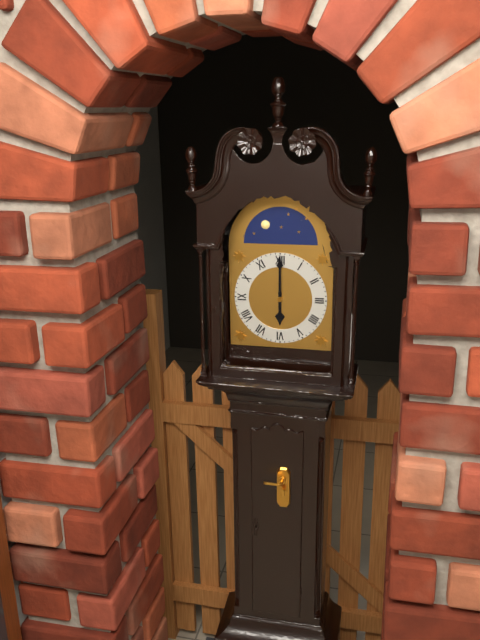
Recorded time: **6:00**
